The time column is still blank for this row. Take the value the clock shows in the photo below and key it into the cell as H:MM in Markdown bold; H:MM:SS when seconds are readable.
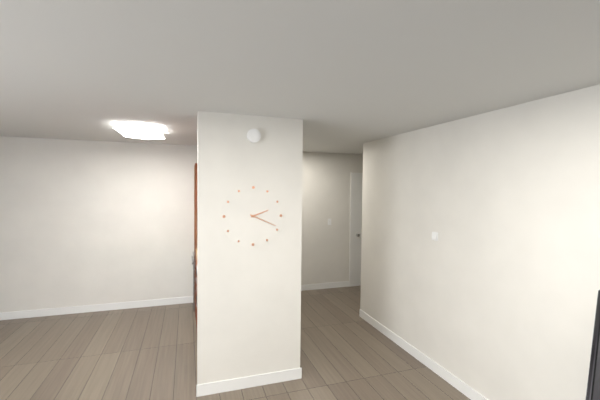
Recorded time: **2:19**
